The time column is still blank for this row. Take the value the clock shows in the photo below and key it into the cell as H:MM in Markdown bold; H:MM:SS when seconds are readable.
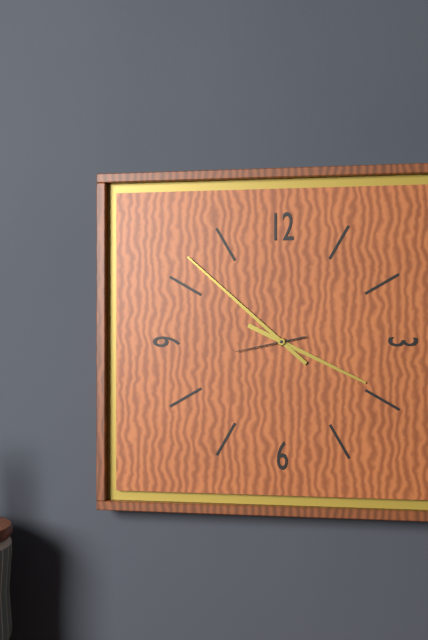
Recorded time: **3:52:43**
